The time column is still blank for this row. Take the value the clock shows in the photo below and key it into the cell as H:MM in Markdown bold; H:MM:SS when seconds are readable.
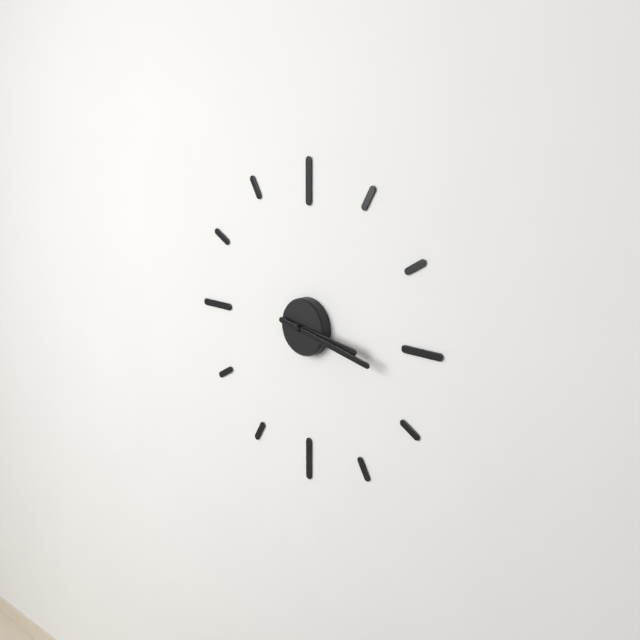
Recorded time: **3:17**
